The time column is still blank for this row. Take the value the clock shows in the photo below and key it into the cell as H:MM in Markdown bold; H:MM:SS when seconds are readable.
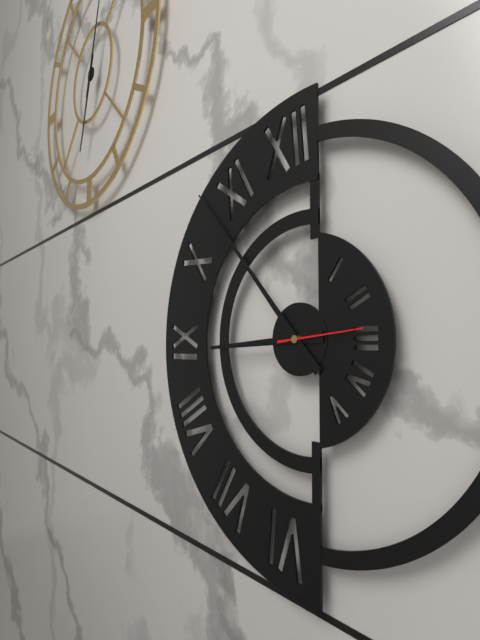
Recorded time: **8:53:14**
